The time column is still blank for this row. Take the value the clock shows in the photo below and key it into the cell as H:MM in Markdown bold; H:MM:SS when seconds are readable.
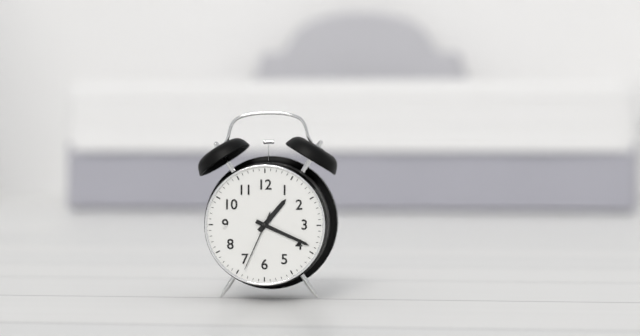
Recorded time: **1:19:34**
